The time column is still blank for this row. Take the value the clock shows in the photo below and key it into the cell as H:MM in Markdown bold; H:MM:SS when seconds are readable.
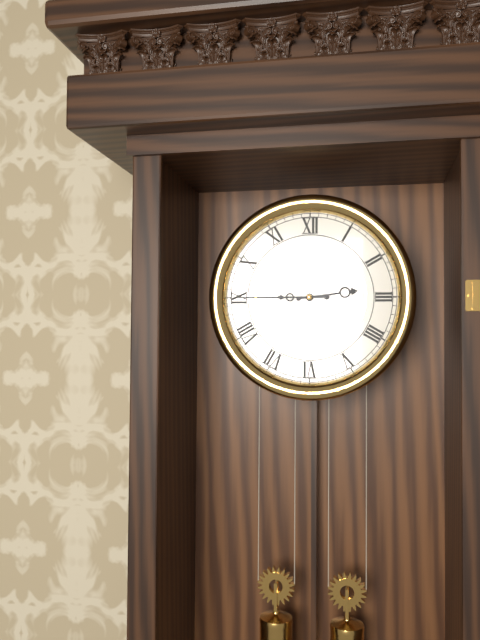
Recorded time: **2:45**
